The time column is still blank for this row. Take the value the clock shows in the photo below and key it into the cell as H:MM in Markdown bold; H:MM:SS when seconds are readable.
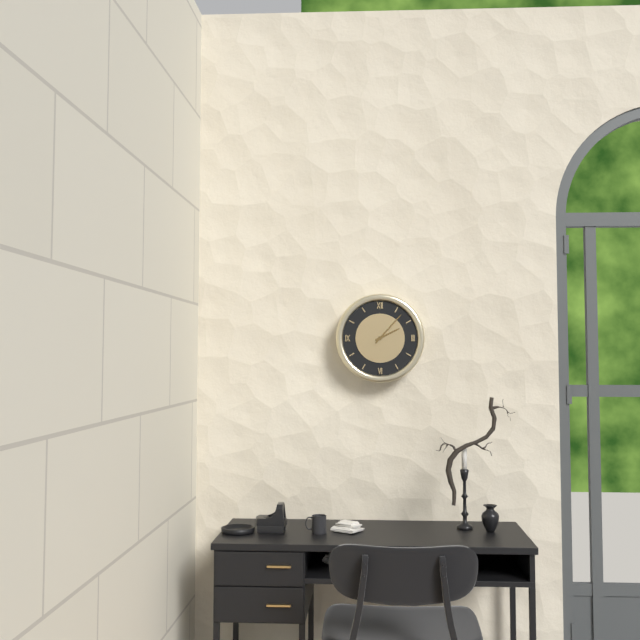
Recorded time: **2:07**
